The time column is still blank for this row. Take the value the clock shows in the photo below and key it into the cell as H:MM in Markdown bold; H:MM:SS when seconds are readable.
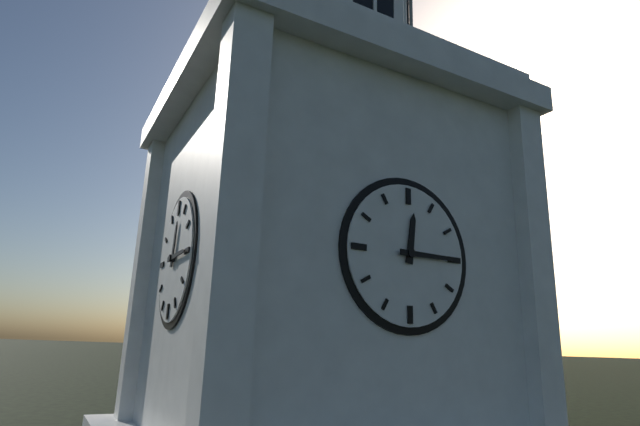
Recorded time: **12:15**
